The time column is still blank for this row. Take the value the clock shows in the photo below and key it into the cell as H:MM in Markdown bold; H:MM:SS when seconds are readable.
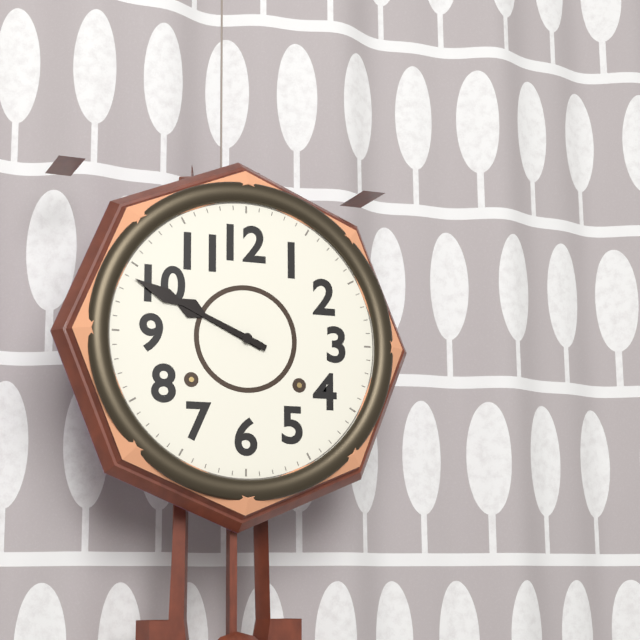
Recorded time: **9:49**
